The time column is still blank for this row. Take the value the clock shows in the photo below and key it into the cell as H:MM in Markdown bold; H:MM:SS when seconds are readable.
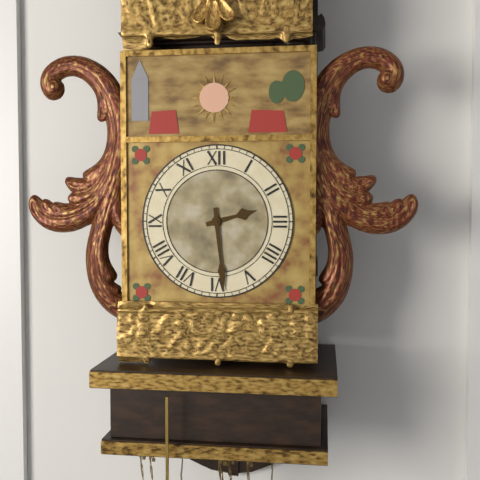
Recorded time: **2:29**
